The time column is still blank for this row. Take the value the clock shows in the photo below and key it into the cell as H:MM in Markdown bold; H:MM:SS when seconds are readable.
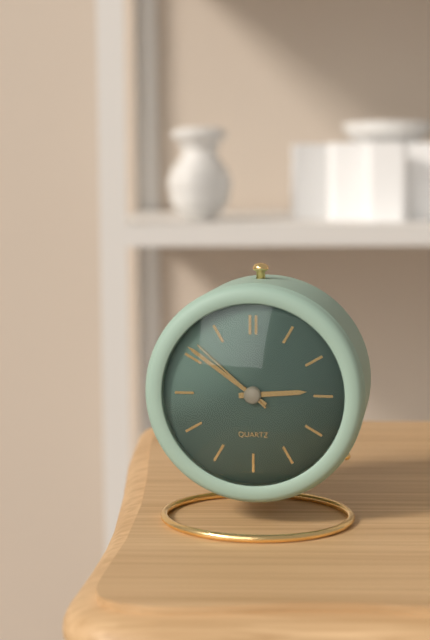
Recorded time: **2:51:52**
